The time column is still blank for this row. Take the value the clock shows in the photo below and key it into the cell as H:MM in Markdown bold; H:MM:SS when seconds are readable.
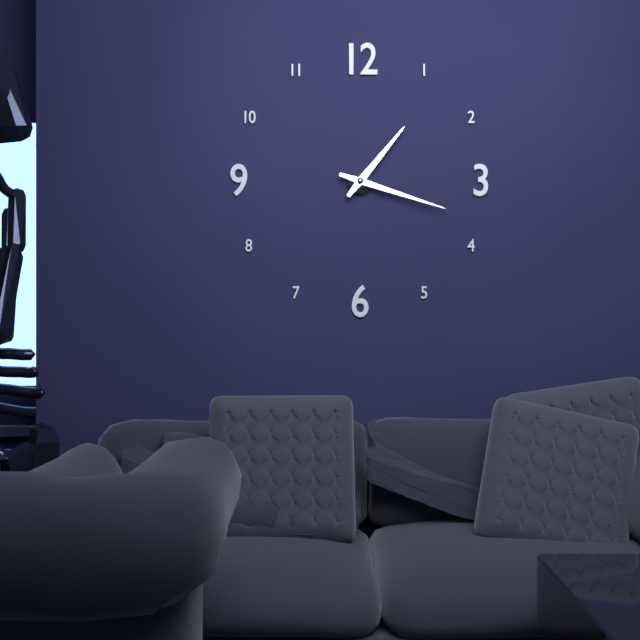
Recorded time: **1:18**
